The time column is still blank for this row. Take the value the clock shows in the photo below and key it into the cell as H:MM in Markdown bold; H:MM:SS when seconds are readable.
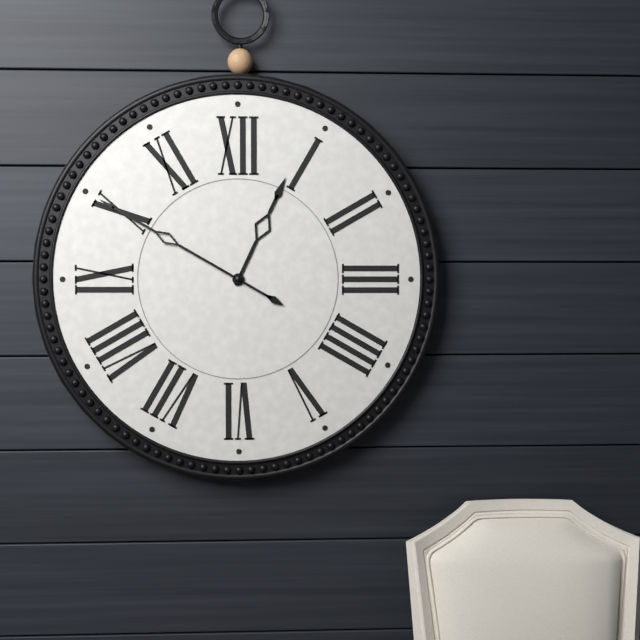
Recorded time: **12:50**
